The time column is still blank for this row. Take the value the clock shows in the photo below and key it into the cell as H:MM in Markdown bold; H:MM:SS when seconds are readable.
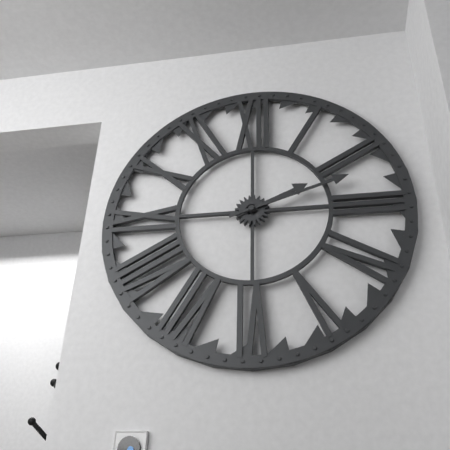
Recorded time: **2:12**
